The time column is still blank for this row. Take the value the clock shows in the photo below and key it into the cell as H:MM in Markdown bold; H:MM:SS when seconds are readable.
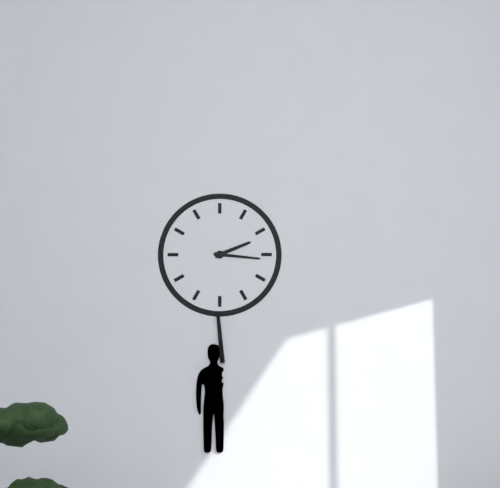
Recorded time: **2:16**
